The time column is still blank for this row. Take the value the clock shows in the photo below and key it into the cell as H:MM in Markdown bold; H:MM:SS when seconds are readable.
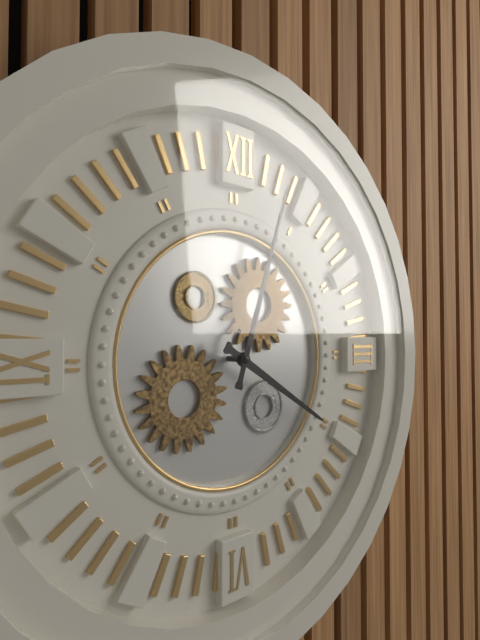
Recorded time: **4:03**
